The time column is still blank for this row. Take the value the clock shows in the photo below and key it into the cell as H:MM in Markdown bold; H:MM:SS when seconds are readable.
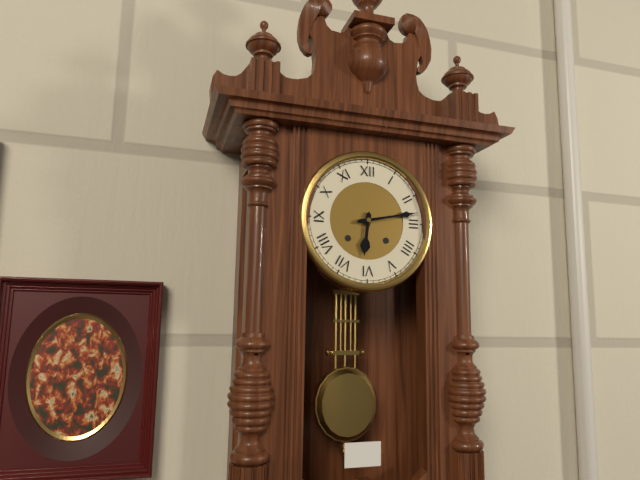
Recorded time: **6:13**
